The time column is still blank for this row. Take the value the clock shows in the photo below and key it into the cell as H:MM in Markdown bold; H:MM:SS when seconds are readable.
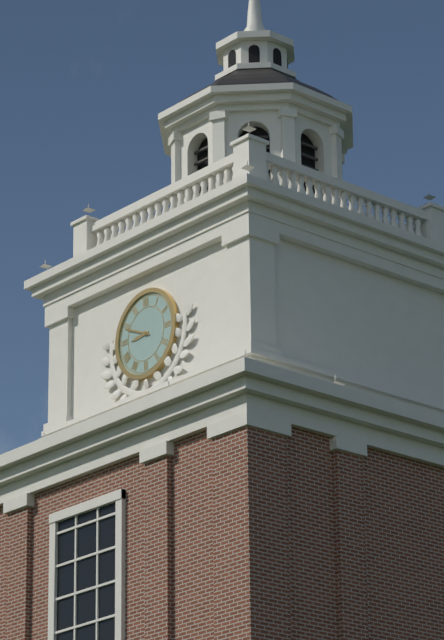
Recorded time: **8:49**
